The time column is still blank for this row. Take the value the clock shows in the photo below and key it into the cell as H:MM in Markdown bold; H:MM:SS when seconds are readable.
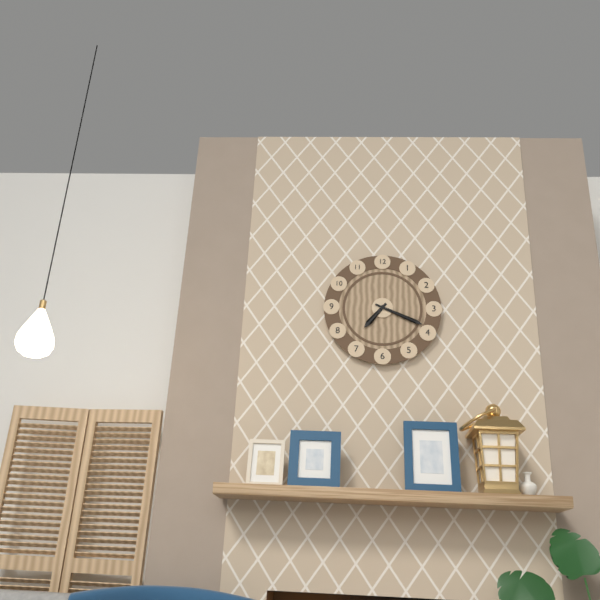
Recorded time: **7:19**
